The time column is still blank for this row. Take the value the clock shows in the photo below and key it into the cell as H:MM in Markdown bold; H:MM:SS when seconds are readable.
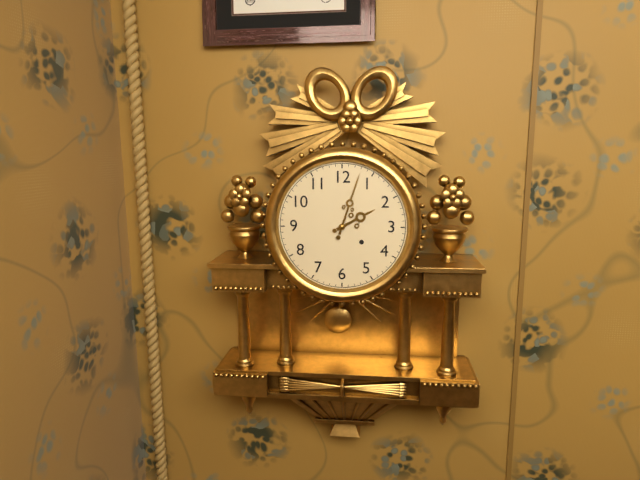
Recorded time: **2:03**
